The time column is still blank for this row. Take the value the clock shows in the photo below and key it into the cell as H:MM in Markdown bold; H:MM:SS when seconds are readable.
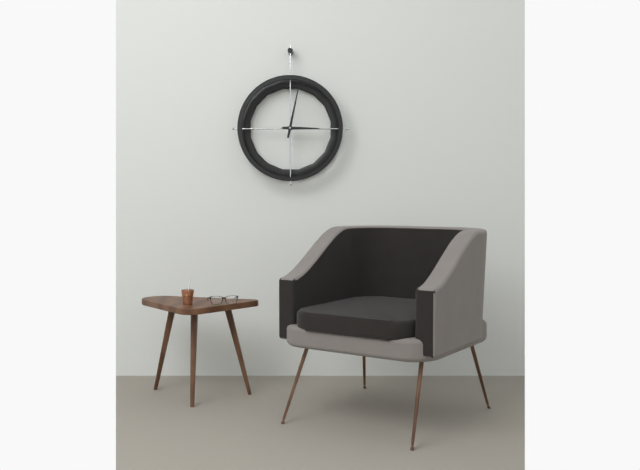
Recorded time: **3:02**
